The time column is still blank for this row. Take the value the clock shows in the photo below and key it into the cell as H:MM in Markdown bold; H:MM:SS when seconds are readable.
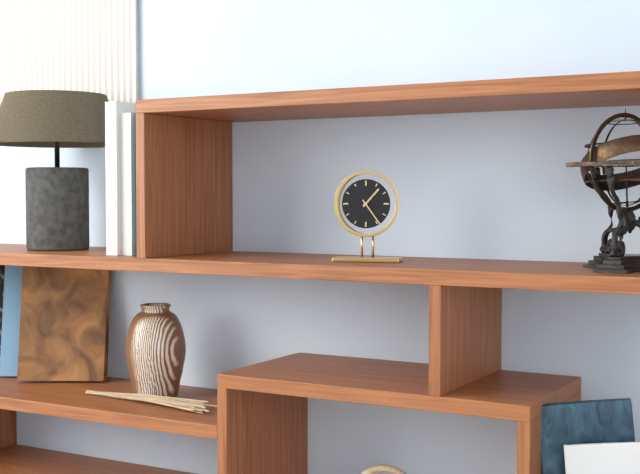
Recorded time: **1:24**
